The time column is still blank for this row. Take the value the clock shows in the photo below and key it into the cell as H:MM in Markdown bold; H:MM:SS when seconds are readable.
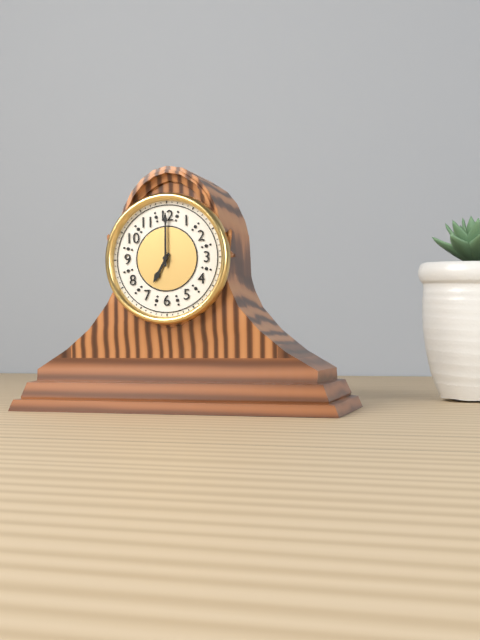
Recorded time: **7:00**
